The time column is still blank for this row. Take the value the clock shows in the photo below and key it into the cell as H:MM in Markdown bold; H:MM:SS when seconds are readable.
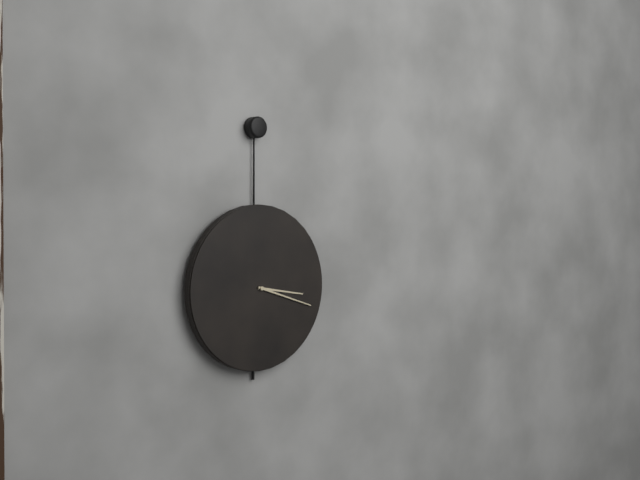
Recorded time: **3:18**
